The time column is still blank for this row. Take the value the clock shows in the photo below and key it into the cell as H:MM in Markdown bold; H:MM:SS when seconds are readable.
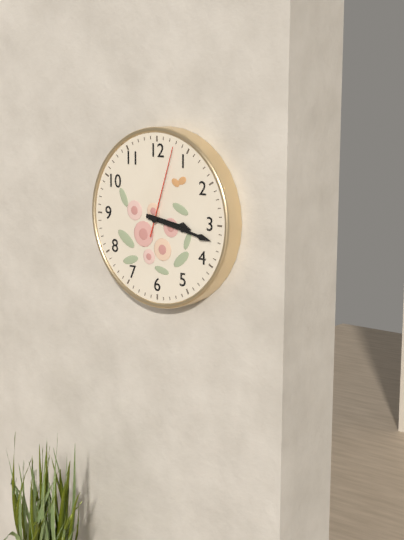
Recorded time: **3:17:03**
